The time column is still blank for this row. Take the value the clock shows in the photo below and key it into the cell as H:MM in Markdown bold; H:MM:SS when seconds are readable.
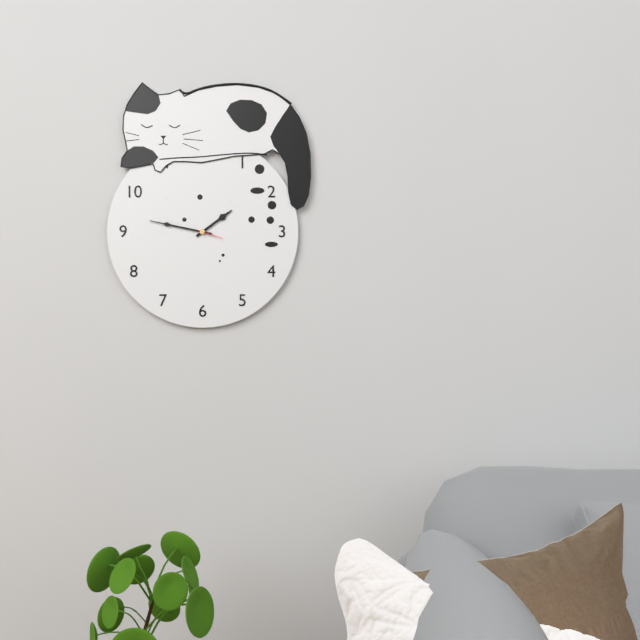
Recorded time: **1:47**
